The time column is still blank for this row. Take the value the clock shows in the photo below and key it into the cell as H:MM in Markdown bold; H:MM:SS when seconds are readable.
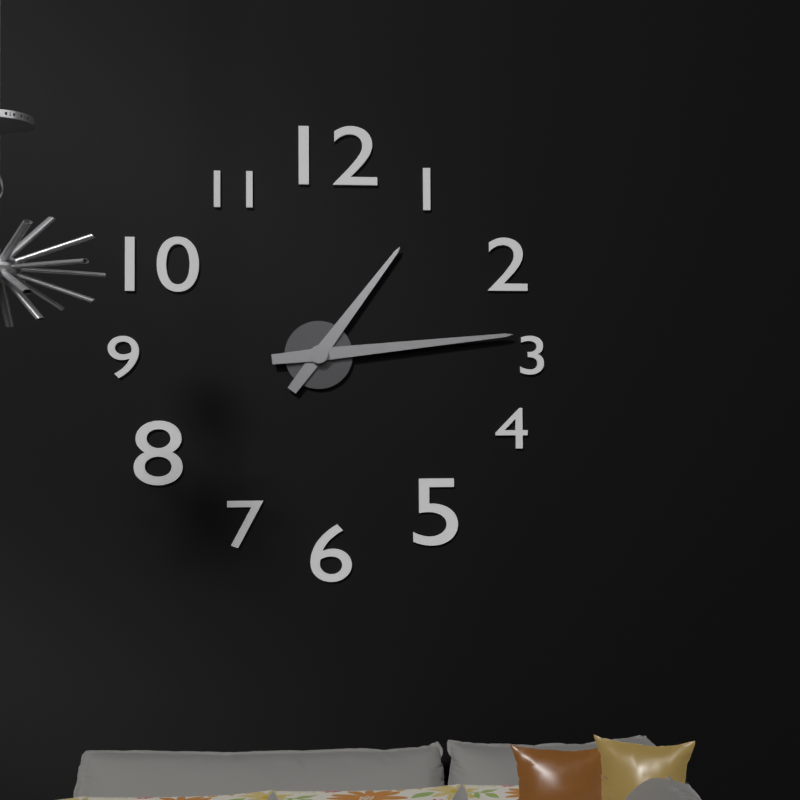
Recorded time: **1:14**
